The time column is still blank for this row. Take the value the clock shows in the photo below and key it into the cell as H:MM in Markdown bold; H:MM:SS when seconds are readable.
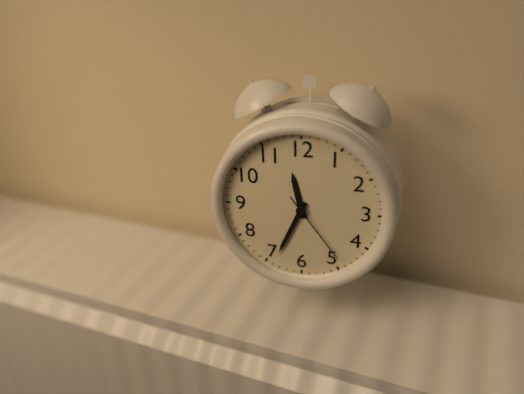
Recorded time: **11:34:24**
